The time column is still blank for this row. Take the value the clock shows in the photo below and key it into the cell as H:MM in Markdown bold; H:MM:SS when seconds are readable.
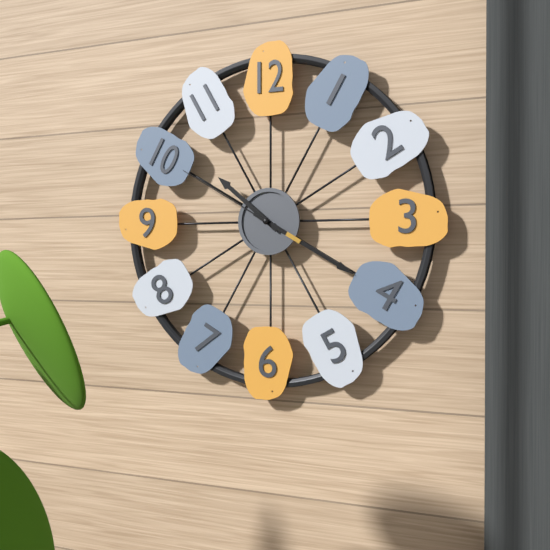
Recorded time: **10:20:50**
